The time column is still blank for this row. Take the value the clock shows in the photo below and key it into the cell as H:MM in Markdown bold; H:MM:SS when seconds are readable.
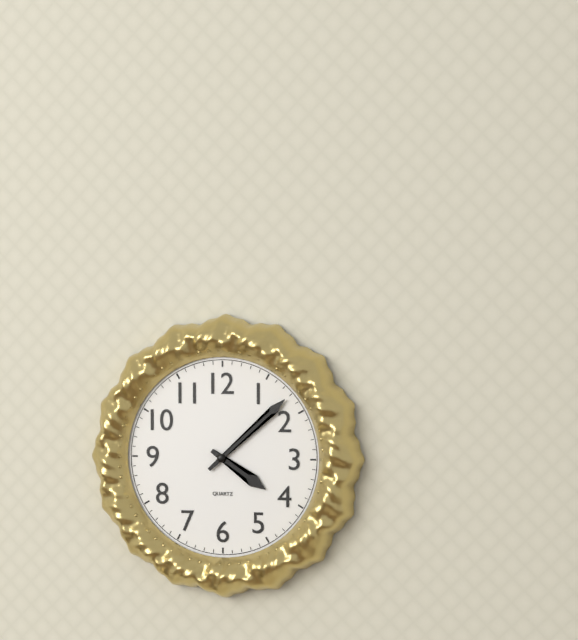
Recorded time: **4:08**
